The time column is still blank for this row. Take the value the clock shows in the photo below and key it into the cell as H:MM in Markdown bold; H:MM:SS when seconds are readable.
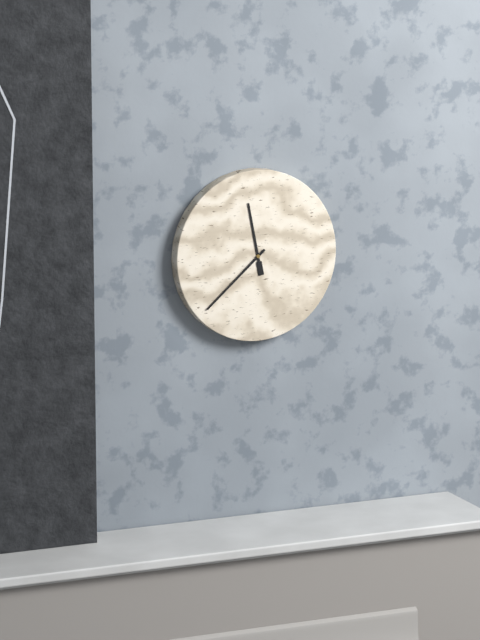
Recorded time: **11:38**
